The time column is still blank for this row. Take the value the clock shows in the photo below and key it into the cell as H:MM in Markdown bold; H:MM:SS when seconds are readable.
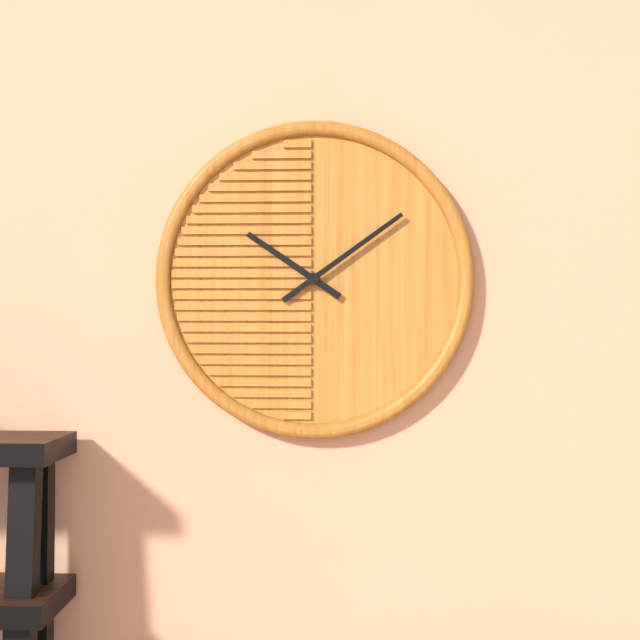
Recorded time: **10:09**
